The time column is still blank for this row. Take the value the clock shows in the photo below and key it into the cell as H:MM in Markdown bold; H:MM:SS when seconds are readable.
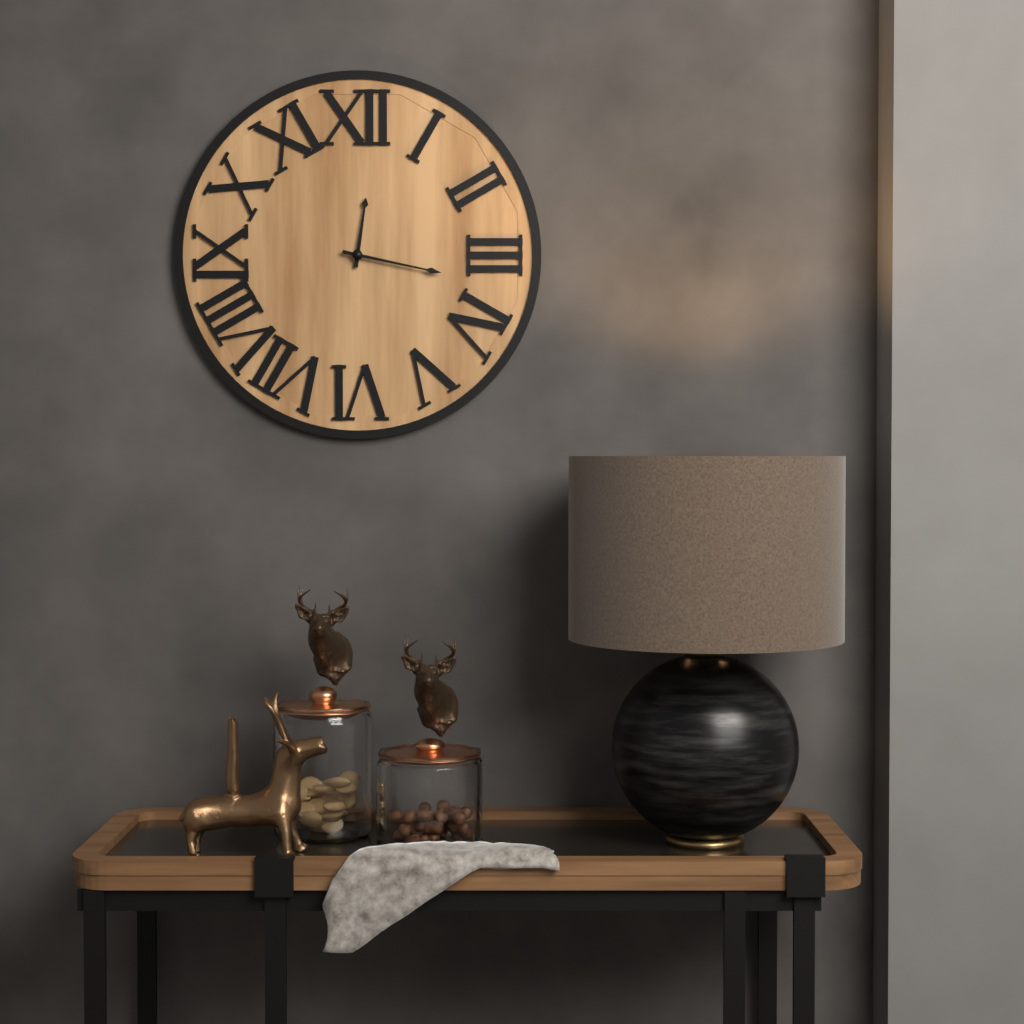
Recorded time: **12:17**
